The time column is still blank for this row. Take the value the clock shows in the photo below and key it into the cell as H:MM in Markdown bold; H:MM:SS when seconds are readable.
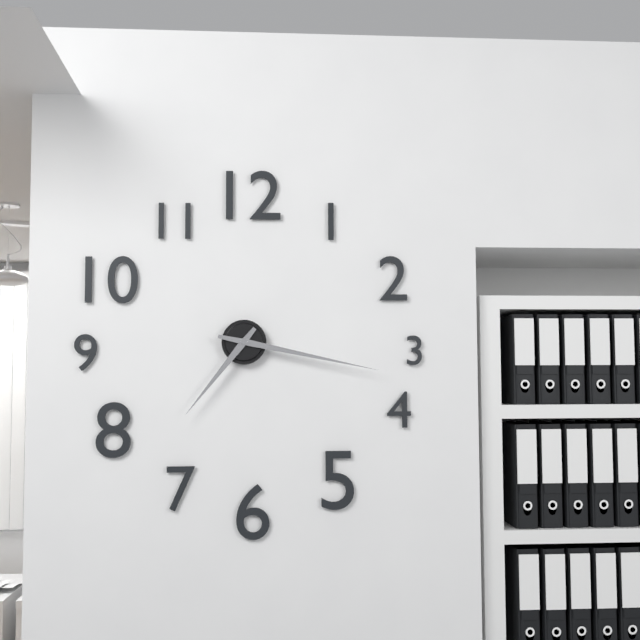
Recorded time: **7:17**
